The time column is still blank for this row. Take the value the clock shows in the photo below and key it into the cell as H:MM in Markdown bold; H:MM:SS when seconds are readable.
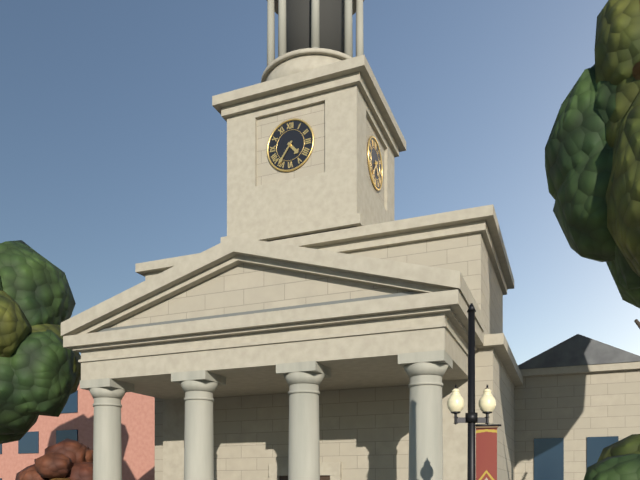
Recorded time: **4:36**
